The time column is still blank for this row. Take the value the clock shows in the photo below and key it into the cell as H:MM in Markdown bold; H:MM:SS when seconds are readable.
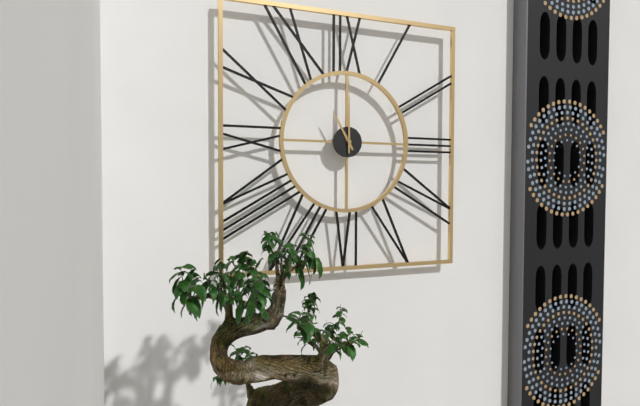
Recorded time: **11:00**
